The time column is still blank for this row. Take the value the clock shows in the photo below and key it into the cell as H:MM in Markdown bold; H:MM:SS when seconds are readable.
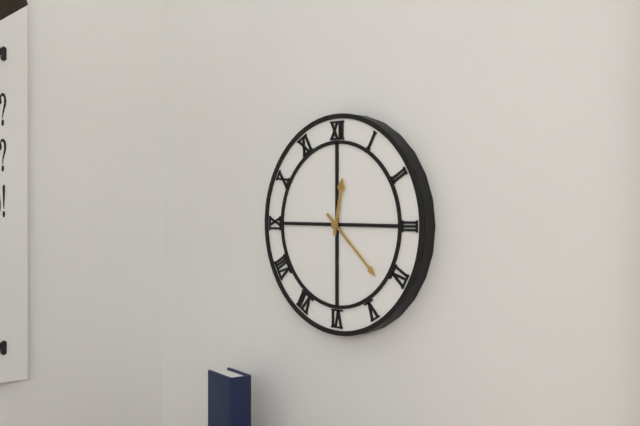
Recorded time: **12:22**
